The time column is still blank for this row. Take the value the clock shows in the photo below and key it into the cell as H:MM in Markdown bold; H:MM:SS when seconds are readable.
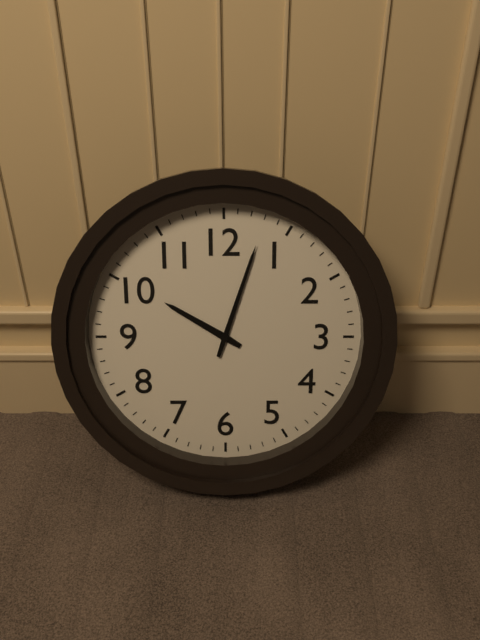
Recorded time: **10:03**
